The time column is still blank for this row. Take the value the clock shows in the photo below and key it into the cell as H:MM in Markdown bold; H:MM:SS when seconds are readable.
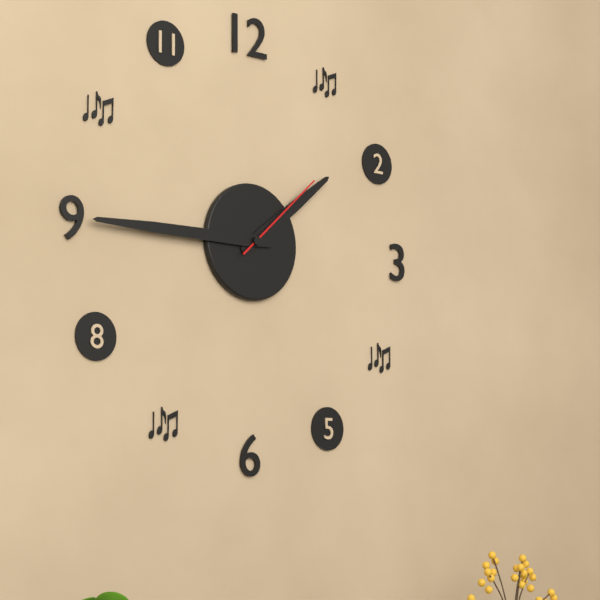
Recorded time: **1:45:08**
